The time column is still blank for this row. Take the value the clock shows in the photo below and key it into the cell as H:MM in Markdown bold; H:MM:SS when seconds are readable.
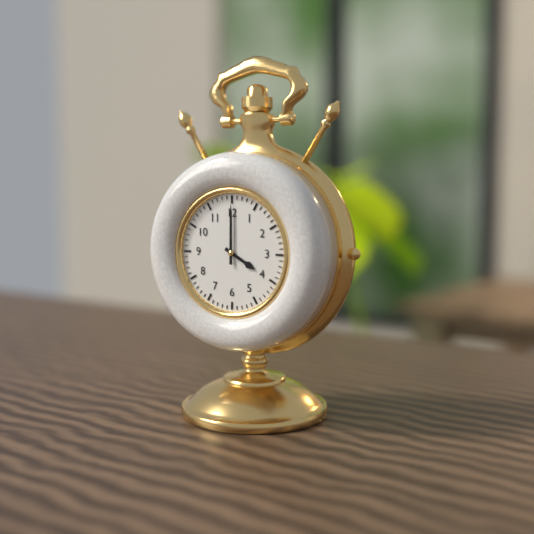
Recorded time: **4:00**
